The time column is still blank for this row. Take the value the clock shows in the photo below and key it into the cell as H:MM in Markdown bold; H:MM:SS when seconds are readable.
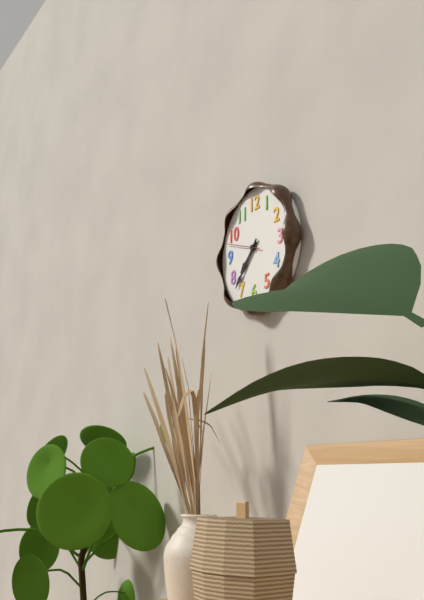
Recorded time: **7:37**
